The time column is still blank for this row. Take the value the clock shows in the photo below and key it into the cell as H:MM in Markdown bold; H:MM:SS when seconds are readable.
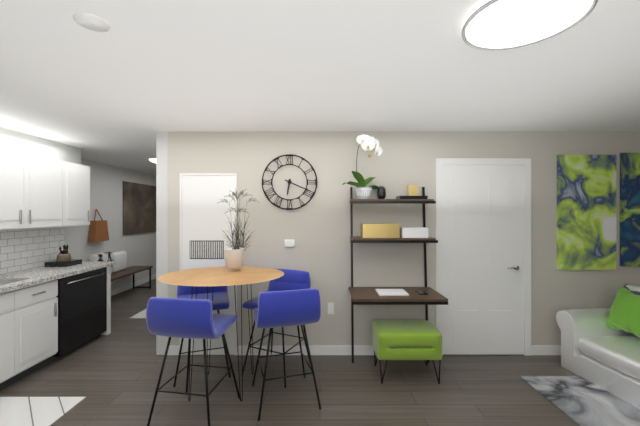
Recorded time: **6:19**
